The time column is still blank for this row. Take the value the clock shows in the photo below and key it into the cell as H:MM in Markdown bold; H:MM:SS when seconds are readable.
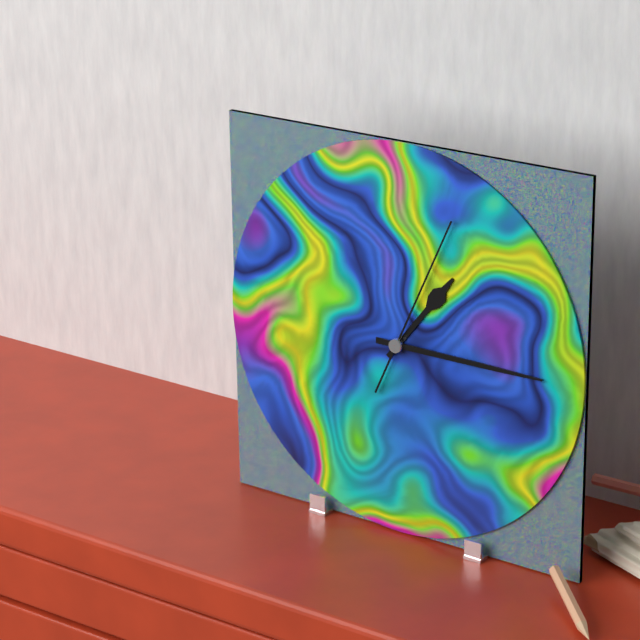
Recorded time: **1:15:04**
